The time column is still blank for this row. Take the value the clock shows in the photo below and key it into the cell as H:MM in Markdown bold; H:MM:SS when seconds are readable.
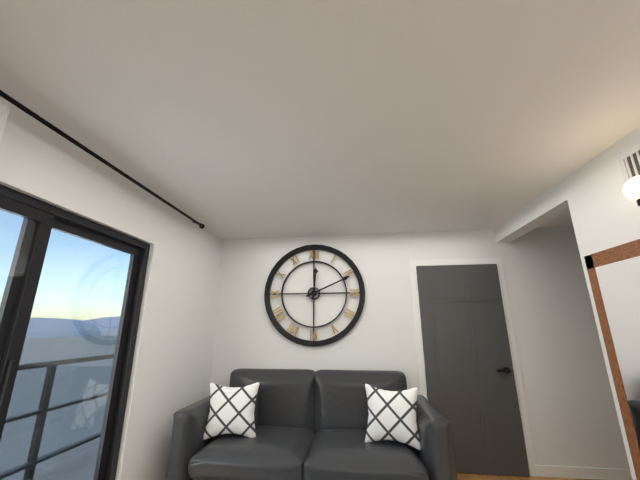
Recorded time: **12:11**
